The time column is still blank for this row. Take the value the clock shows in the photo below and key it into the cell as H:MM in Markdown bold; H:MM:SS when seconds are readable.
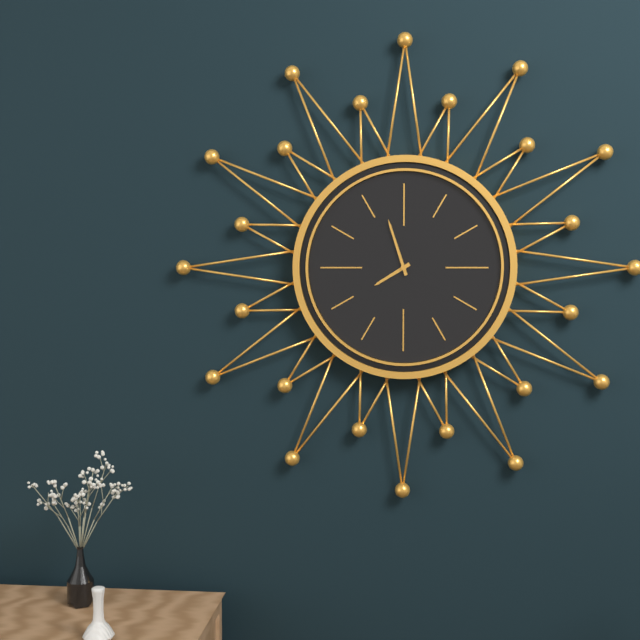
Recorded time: **7:57**
